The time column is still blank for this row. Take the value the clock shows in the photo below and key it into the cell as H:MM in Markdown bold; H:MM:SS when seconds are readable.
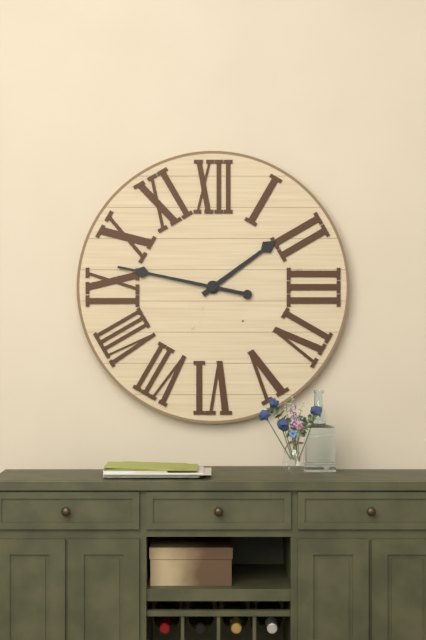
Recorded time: **1:47**
